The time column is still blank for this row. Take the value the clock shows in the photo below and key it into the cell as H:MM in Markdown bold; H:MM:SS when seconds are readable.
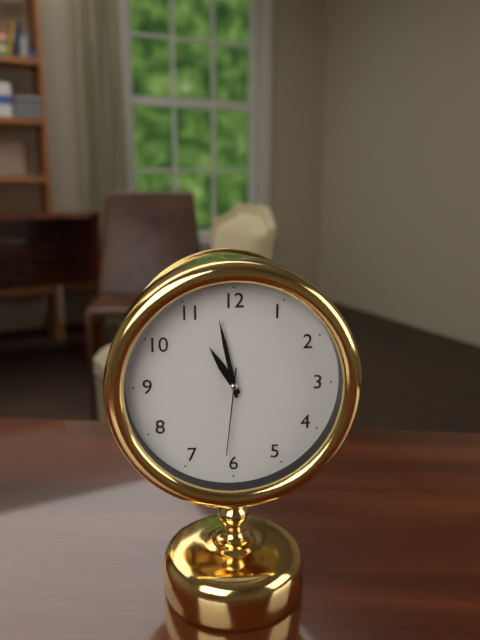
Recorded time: **10:58:31**
